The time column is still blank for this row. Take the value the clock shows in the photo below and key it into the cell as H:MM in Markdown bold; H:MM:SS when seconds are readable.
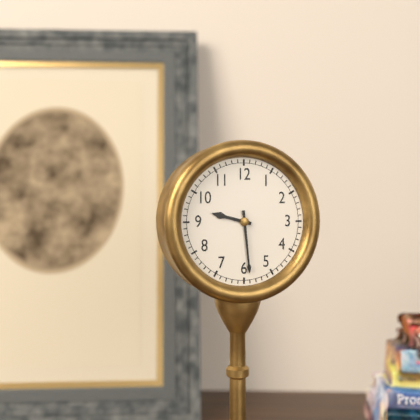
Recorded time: **9:29**
